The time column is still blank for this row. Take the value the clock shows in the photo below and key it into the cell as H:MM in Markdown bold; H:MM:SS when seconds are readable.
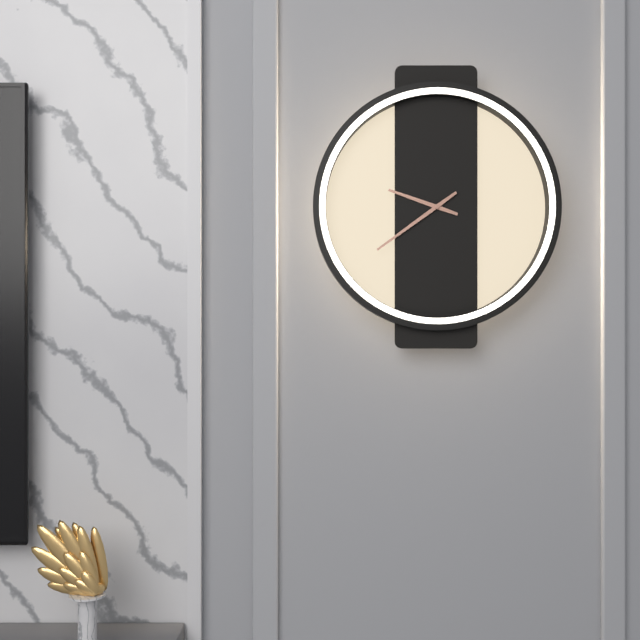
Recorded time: **9:39**
